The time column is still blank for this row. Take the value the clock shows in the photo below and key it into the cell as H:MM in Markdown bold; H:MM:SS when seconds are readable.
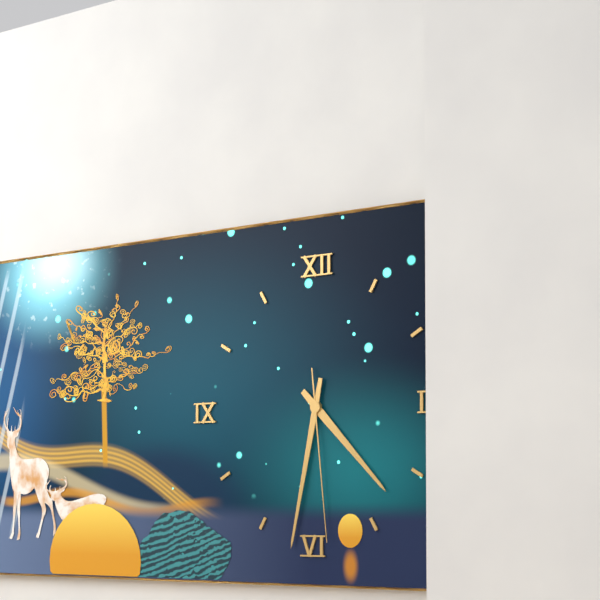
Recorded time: **4:32:29**
